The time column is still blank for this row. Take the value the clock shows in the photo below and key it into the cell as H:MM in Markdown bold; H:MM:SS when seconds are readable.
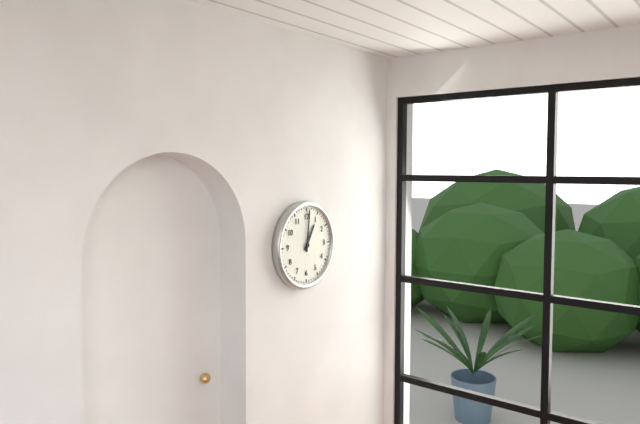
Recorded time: **1:01**
